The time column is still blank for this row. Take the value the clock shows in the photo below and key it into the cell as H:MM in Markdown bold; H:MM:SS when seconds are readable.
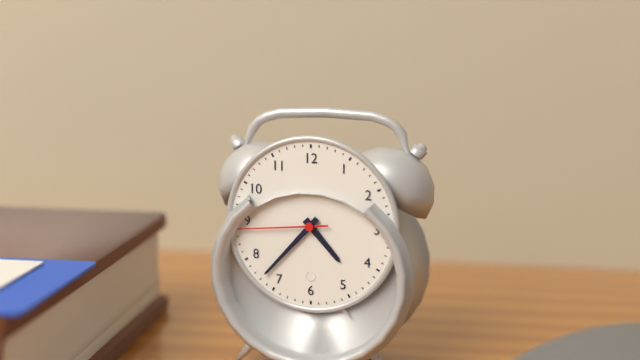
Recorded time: **4:37:44**
